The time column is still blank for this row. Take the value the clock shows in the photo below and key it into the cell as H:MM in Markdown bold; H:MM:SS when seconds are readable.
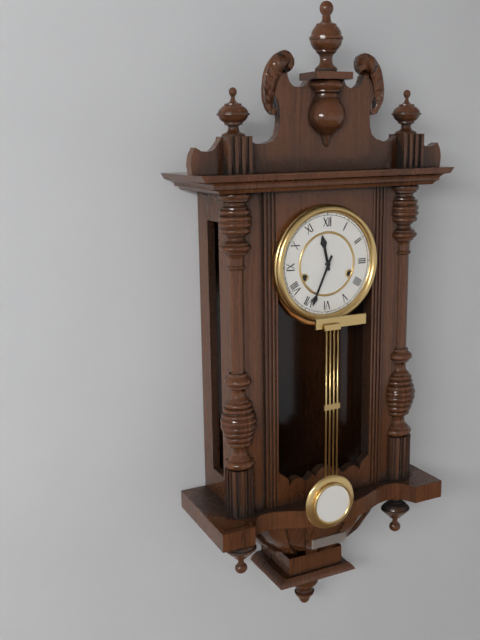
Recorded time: **11:34**
